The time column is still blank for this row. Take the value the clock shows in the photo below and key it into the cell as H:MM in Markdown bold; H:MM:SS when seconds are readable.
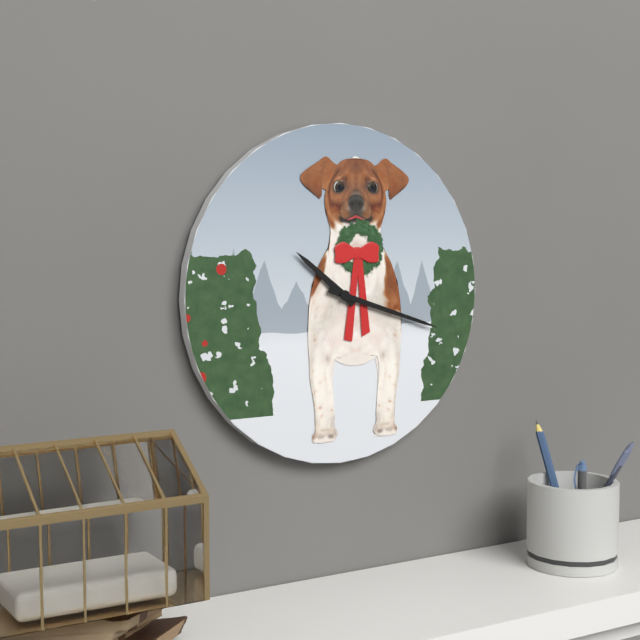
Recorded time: **10:18**
